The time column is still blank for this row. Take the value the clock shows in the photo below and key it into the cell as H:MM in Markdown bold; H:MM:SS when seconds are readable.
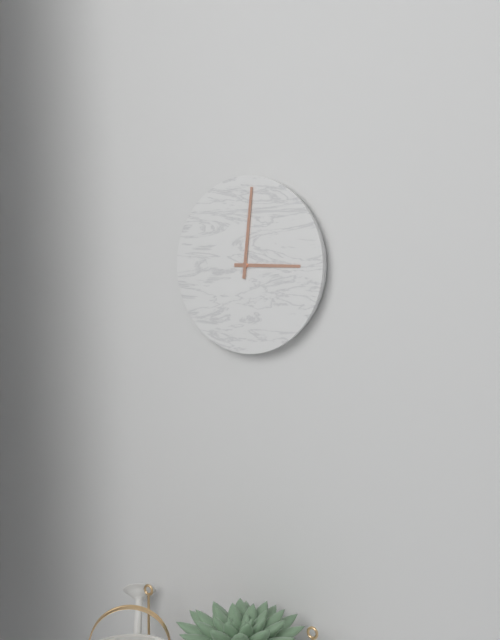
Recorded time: **3:01**
